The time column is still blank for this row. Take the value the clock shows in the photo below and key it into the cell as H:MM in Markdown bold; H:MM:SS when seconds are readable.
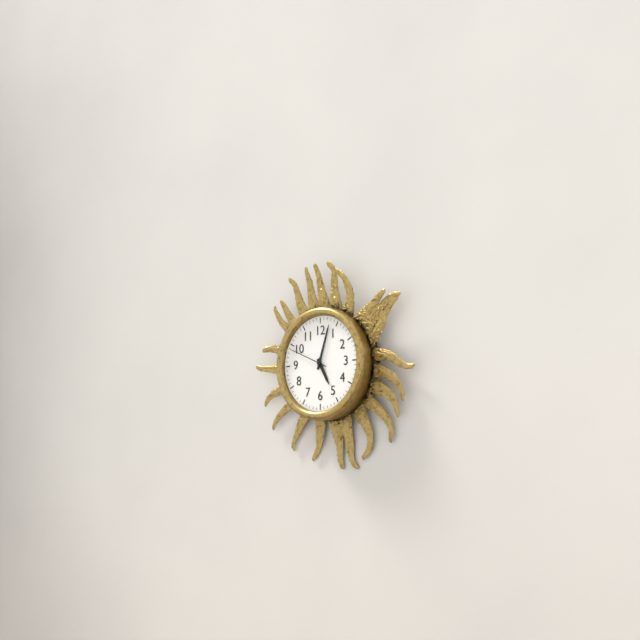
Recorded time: **5:03**
